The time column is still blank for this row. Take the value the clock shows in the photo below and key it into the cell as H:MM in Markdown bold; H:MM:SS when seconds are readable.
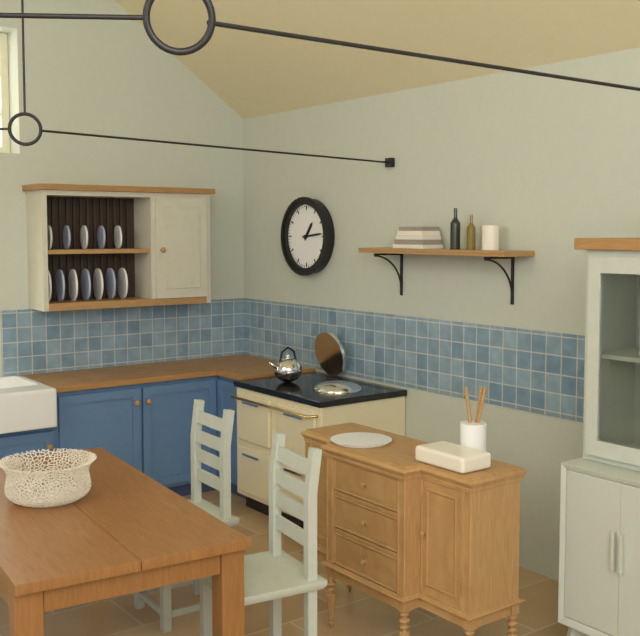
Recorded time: **1:14**
